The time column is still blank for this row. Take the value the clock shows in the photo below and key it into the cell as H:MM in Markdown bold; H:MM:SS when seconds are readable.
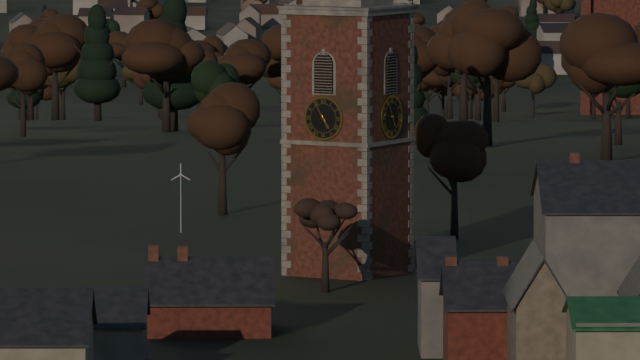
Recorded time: **4:55**
